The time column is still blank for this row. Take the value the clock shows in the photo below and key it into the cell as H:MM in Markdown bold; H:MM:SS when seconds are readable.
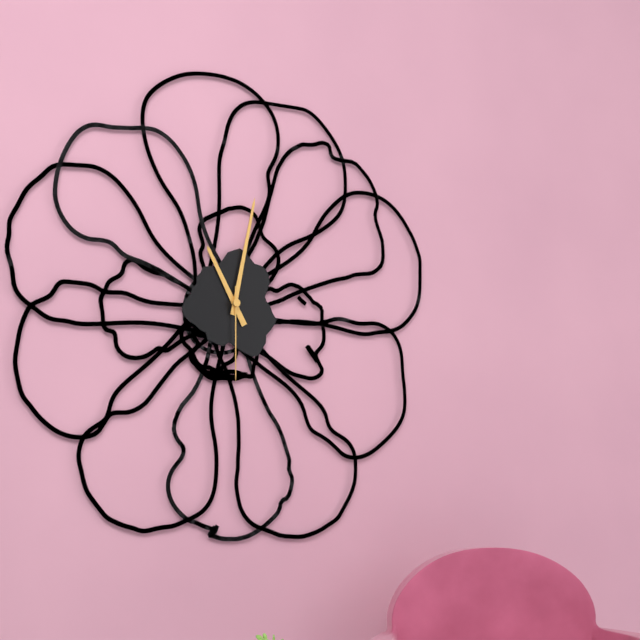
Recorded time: **11:02:30**
